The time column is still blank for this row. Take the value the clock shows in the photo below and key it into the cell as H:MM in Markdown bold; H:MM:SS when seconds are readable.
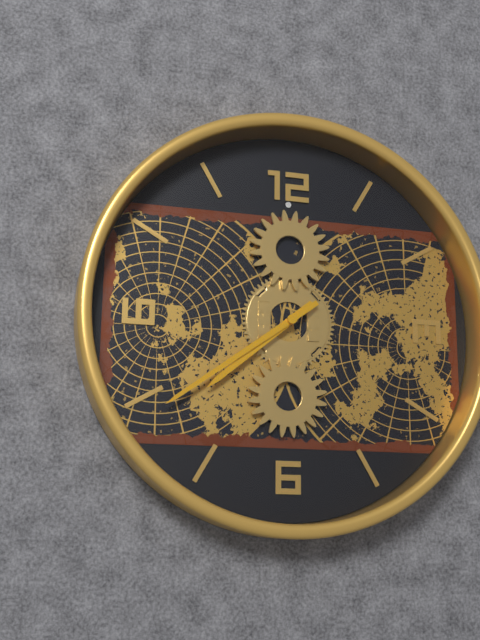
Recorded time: **7:39**
